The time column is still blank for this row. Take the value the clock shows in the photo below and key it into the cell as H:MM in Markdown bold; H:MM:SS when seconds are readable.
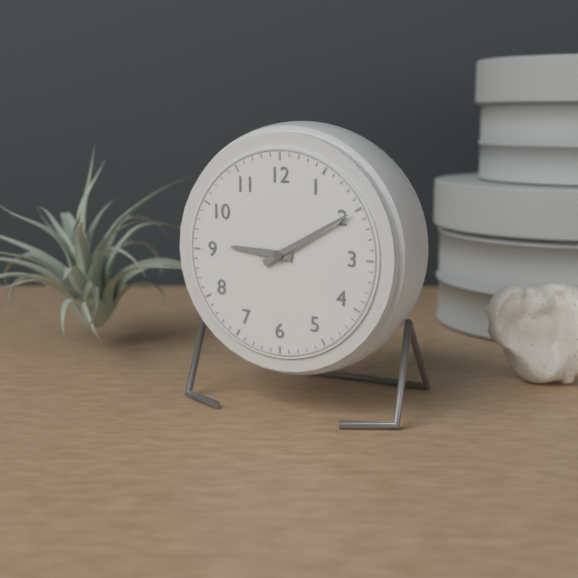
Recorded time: **9:10**
